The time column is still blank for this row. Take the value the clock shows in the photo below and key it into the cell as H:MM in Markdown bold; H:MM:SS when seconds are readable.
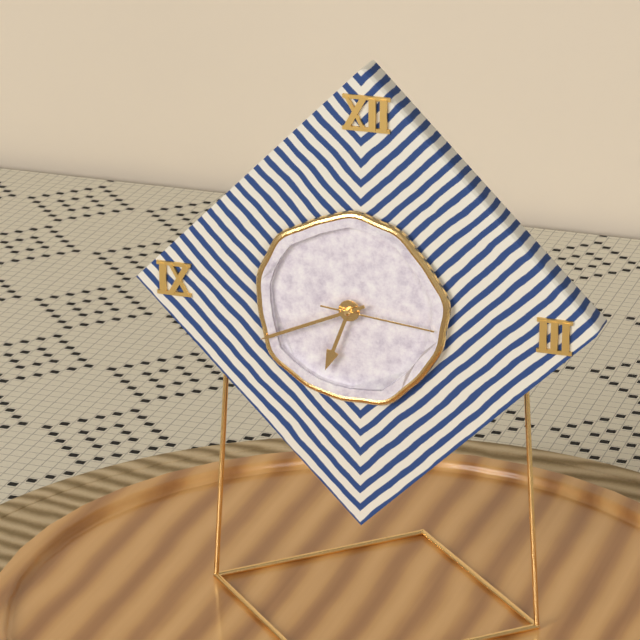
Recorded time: **6:41:16**
